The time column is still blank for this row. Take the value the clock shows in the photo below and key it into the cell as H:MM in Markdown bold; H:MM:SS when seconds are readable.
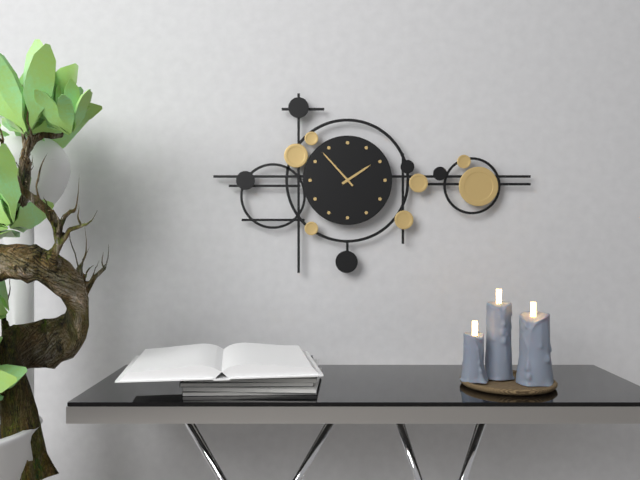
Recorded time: **1:53**
